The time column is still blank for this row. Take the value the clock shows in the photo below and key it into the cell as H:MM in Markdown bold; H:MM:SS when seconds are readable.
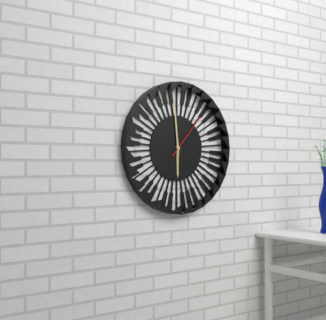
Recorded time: **5:59**
